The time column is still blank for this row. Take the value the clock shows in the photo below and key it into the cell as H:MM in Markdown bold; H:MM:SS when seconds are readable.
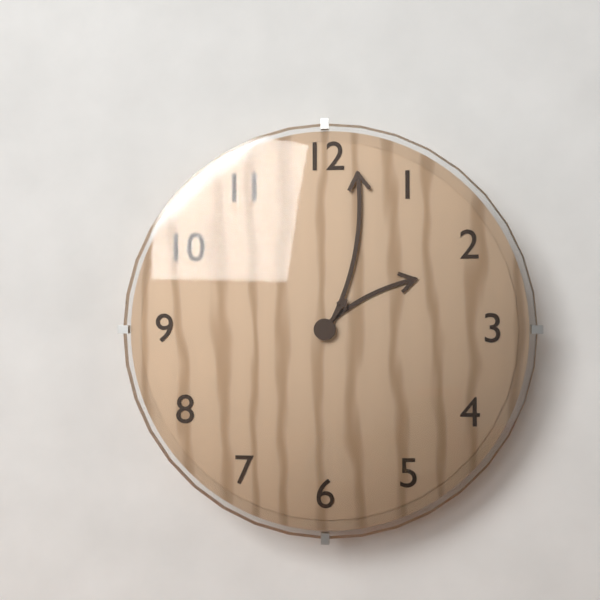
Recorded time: **2:02**
